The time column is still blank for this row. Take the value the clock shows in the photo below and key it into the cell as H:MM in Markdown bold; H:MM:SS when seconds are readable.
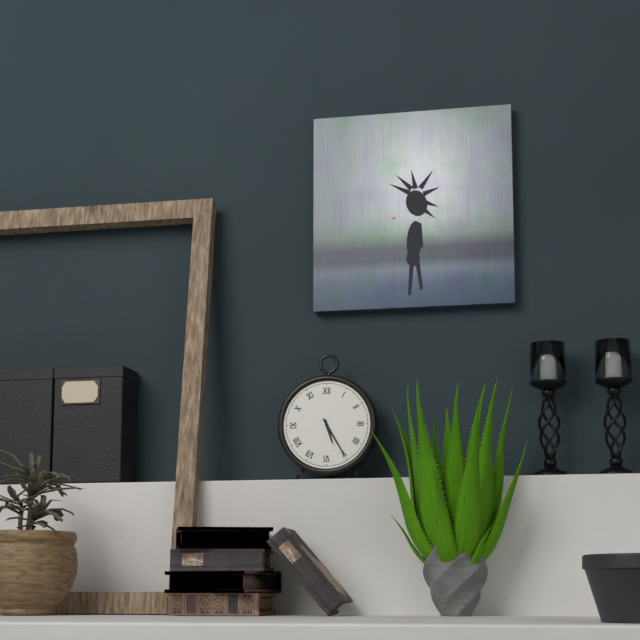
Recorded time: **5:25**
